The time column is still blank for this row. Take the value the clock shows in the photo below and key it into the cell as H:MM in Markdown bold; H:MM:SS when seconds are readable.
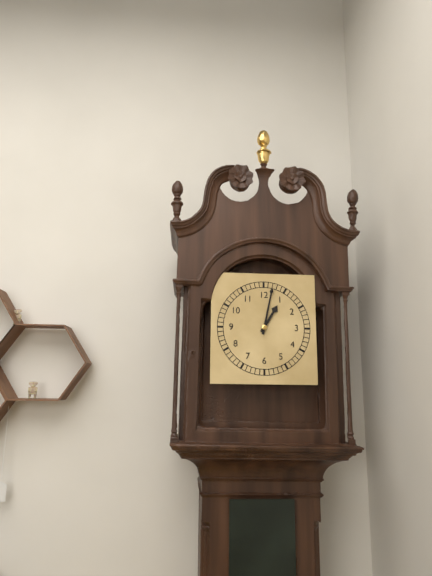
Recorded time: **1:02**
